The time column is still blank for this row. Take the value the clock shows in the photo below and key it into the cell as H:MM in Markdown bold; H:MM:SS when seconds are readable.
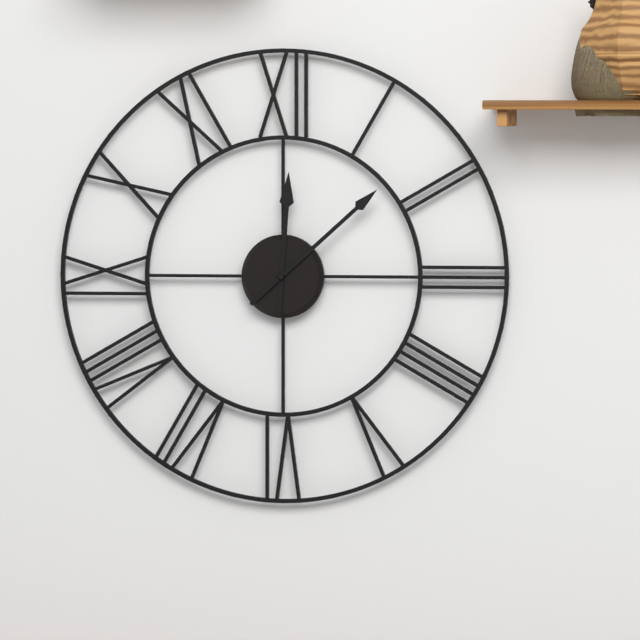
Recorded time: **12:08**
